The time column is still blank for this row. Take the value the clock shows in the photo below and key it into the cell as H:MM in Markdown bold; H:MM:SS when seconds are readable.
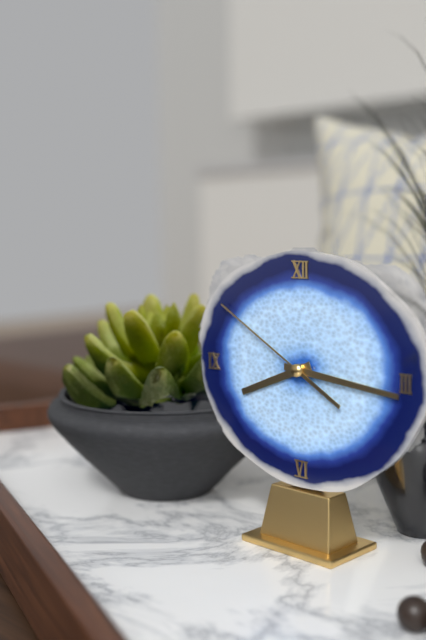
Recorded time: **8:16:50**
